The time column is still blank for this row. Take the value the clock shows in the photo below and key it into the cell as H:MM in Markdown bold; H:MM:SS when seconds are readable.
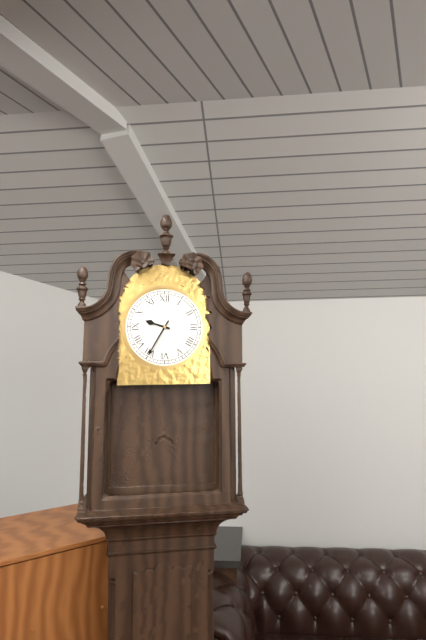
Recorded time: **9:35**
